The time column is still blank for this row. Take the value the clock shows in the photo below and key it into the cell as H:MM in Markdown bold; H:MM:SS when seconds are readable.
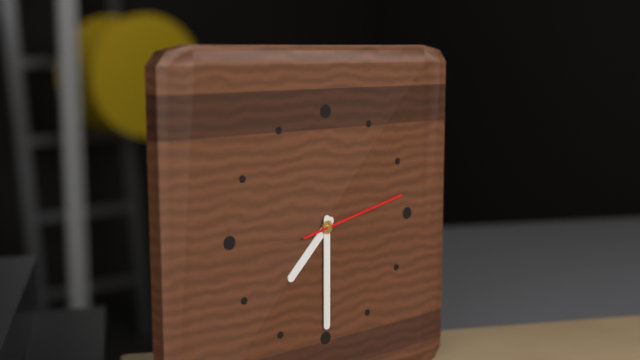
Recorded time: **7:30:13**
